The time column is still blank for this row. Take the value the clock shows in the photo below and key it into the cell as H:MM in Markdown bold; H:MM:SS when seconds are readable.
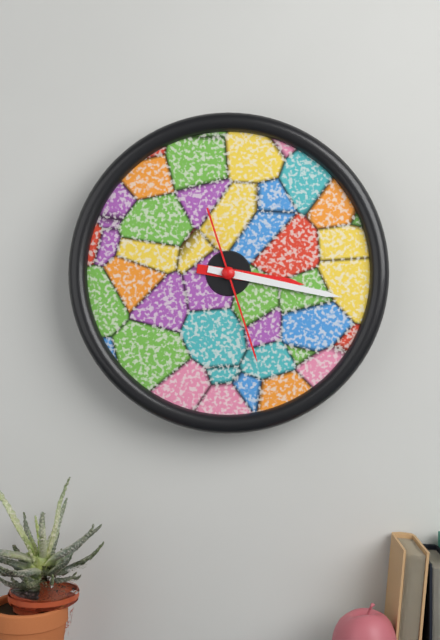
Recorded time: **3:17:27**
